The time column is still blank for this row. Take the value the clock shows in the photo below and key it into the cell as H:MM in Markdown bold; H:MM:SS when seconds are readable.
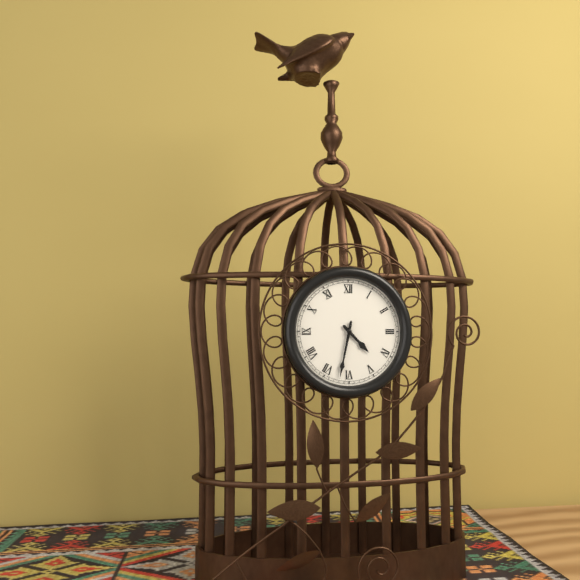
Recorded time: **4:32**
